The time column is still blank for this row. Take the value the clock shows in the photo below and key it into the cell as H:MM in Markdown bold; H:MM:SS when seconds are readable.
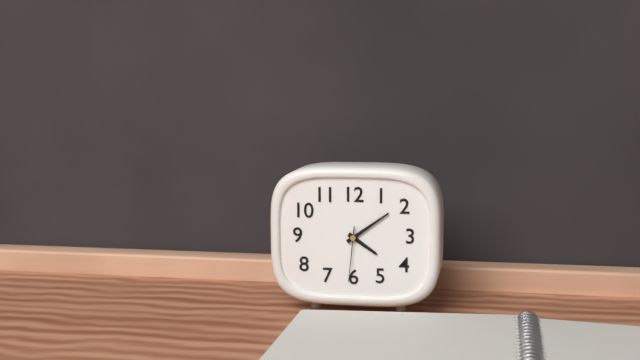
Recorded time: **4:09:31**
